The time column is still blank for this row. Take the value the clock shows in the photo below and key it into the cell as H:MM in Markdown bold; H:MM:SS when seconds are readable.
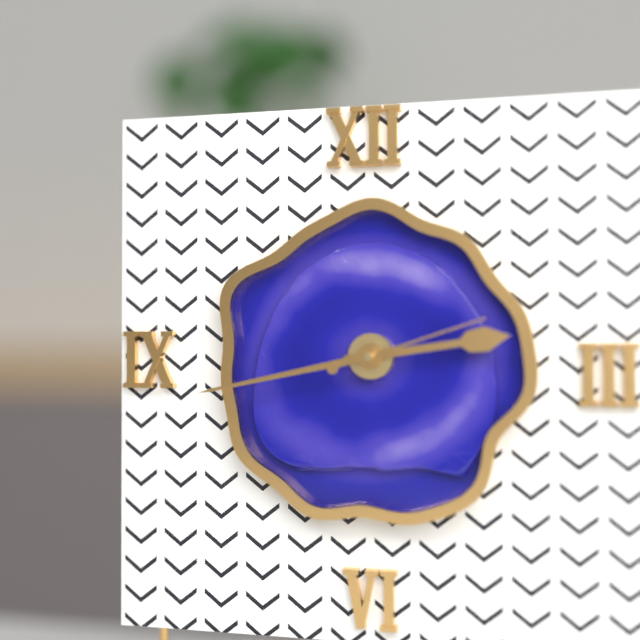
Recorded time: **2:43:12**
